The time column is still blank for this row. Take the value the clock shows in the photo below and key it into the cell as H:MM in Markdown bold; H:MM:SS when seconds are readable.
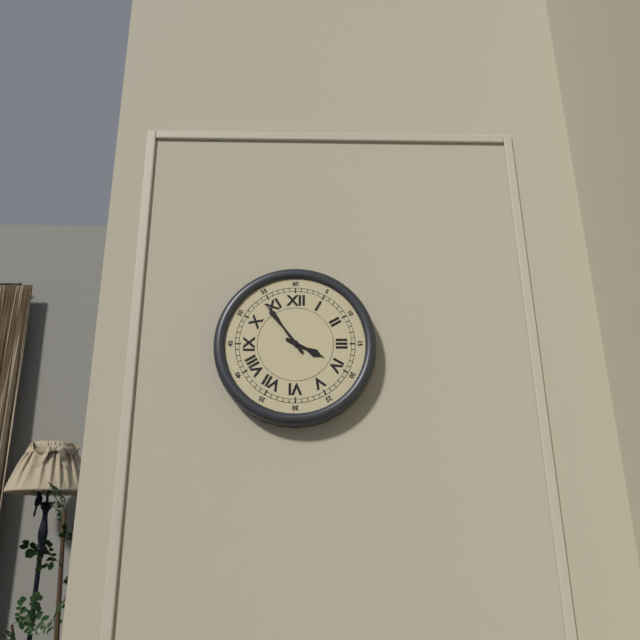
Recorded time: **3:54**
